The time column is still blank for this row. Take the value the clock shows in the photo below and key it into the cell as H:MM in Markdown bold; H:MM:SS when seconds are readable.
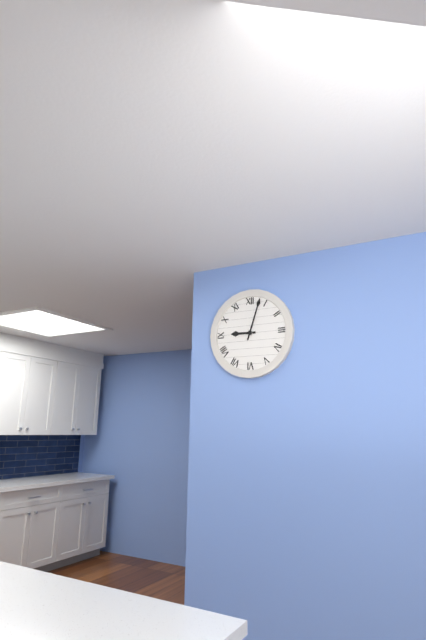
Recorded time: **9:03**
